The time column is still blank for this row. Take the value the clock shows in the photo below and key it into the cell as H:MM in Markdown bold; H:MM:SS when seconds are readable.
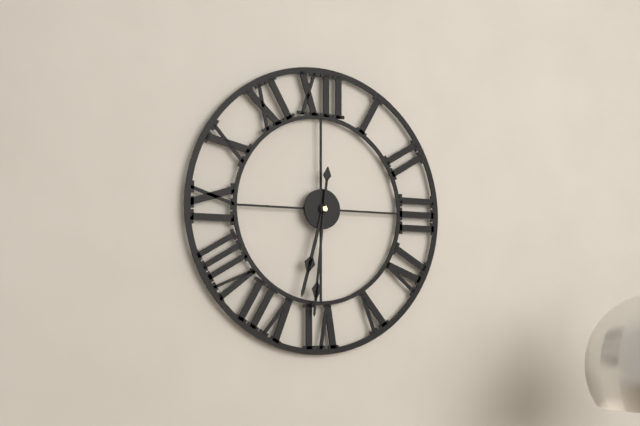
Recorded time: **6:31**
